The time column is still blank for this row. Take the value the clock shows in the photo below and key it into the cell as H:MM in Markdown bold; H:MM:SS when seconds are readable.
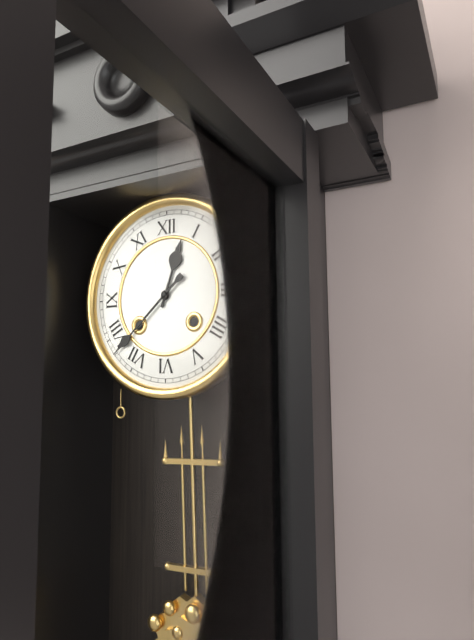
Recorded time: **12:38**
